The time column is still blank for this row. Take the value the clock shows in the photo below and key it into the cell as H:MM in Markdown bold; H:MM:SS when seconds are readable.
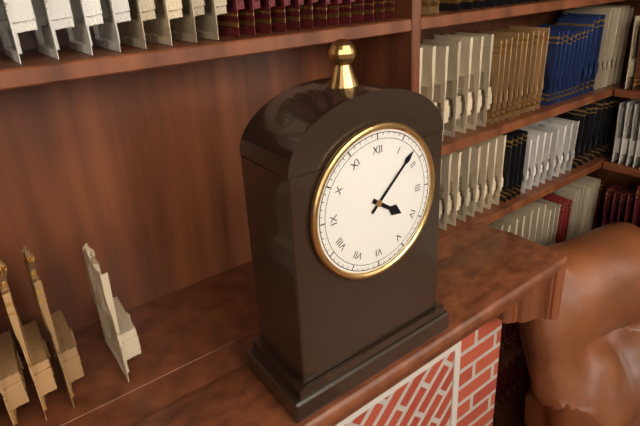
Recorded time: **4:08**
